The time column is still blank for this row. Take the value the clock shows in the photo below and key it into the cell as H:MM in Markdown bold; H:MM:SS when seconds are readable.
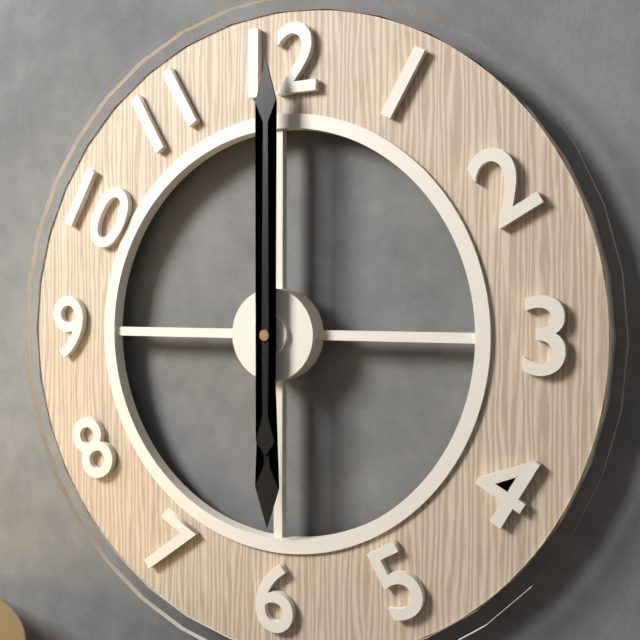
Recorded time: **6:00**
